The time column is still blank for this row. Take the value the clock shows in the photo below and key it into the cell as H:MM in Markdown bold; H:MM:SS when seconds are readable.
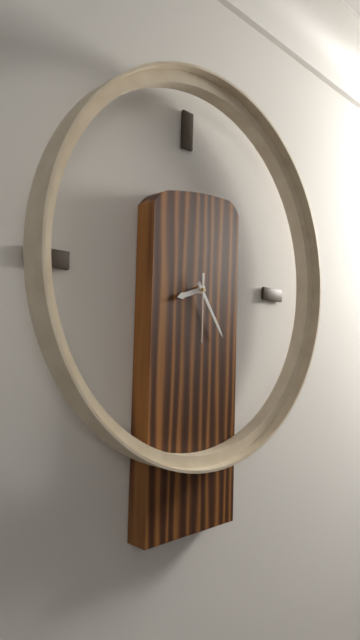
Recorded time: **8:24:30**
